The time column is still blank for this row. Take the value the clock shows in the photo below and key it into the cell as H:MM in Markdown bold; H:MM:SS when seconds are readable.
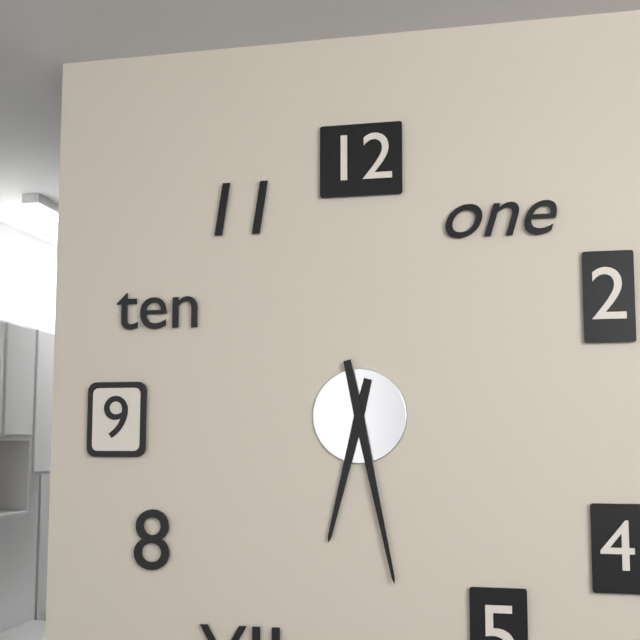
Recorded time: **6:28**
